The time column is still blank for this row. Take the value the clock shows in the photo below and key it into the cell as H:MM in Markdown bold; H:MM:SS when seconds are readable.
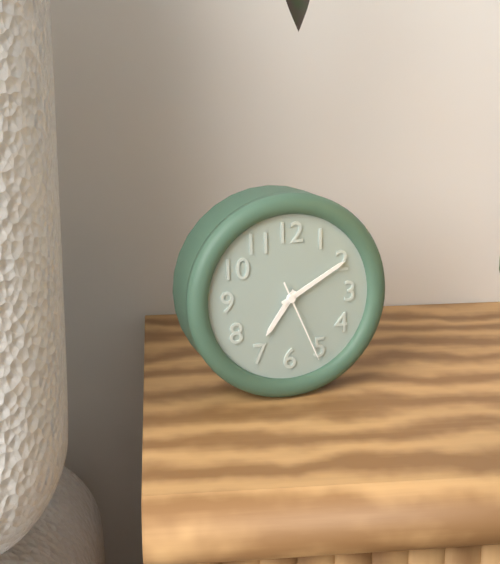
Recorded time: **7:10:26**
